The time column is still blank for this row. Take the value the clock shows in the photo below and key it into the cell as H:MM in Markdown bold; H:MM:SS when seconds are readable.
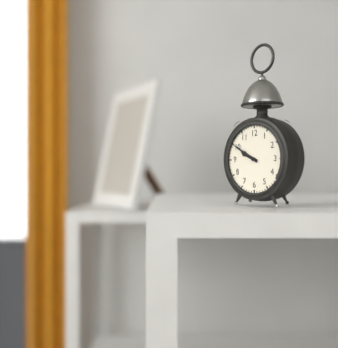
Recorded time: **9:50**
